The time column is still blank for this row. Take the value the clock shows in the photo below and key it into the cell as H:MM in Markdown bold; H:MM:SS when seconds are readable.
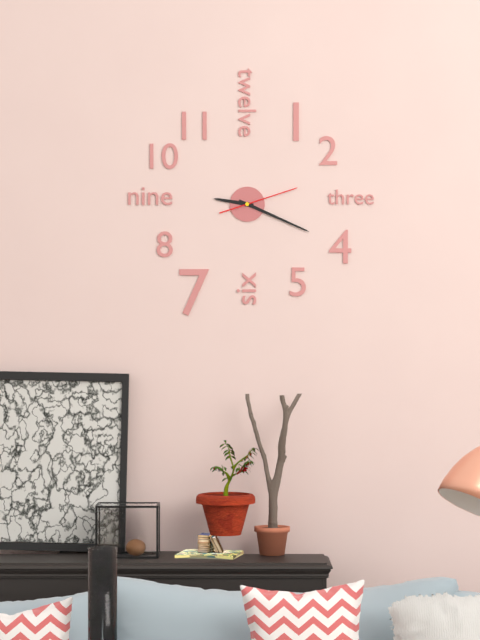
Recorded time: **9:19:12**
